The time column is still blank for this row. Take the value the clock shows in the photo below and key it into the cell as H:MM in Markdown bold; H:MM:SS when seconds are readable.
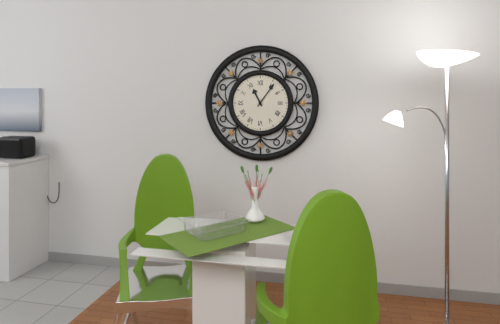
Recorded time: **11:06**
